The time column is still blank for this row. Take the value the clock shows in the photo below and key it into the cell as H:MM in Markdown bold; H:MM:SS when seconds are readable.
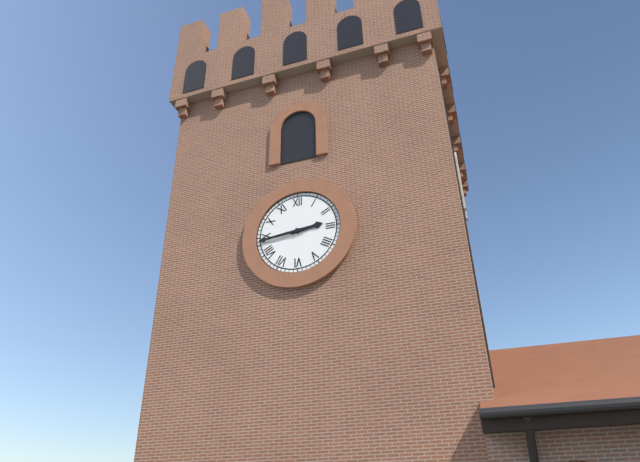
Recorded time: **2:44**
